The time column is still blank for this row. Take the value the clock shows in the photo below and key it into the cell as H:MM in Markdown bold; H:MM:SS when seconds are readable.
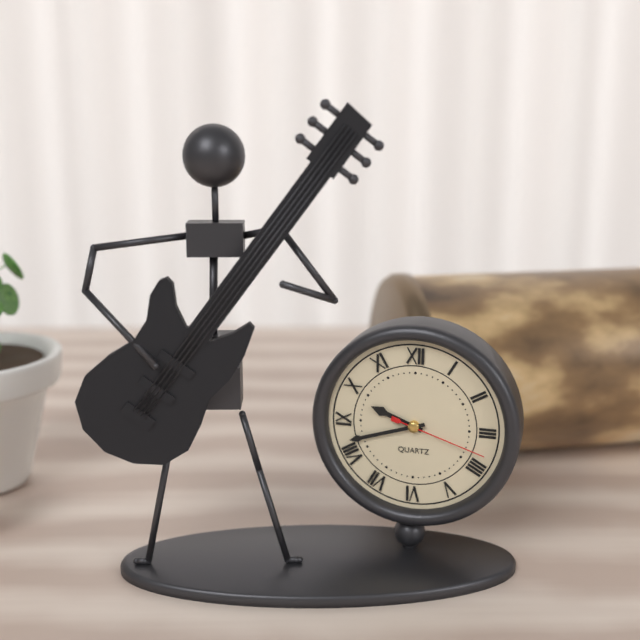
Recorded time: **9:42:18**
